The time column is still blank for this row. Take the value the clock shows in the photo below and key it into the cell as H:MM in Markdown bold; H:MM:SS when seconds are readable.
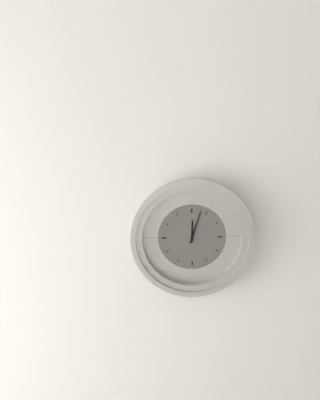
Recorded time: **12:03**
